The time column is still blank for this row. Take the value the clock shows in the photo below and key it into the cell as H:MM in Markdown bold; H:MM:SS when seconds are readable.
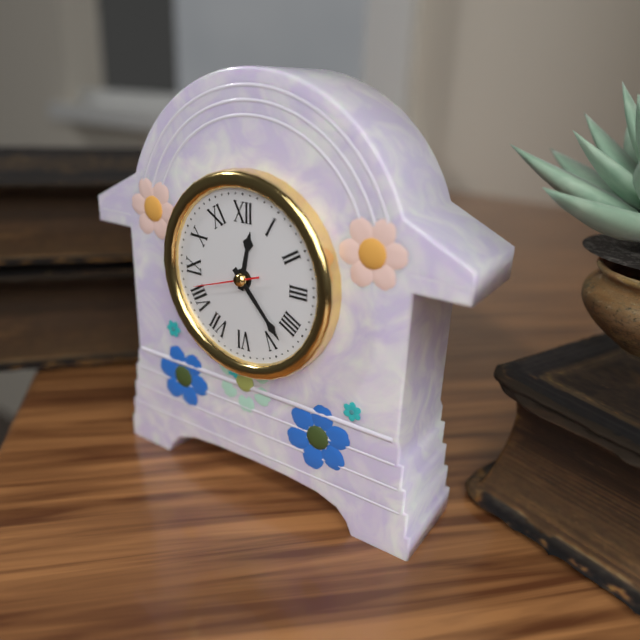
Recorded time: **12:23:42**
